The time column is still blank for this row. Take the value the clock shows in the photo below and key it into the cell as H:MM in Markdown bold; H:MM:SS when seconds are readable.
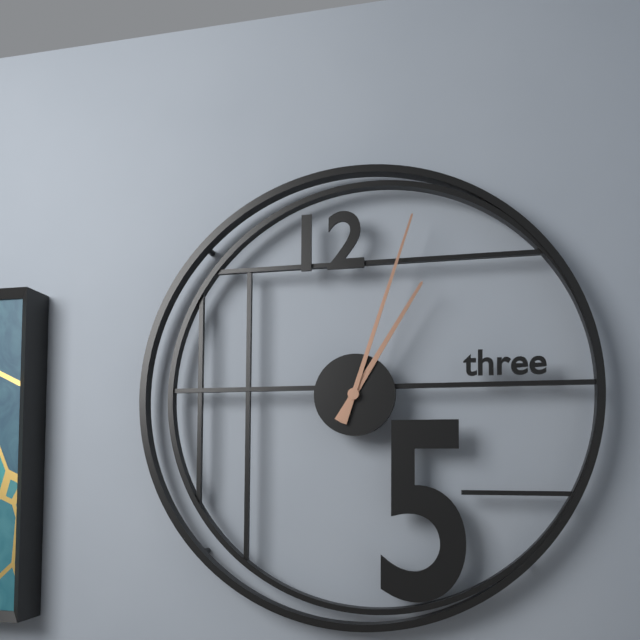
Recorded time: **1:03**
